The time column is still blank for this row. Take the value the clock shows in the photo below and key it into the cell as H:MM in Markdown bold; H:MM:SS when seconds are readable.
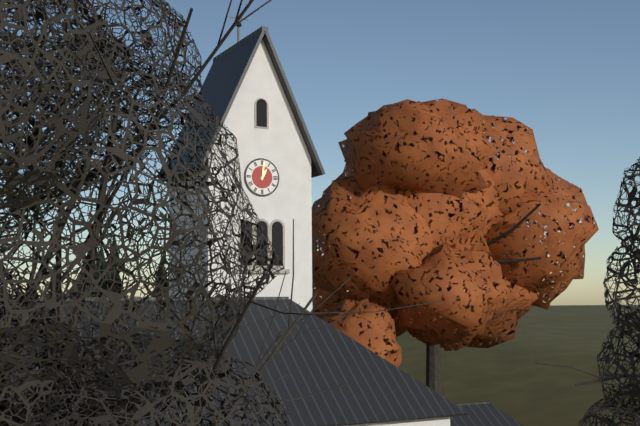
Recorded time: **1:01**
